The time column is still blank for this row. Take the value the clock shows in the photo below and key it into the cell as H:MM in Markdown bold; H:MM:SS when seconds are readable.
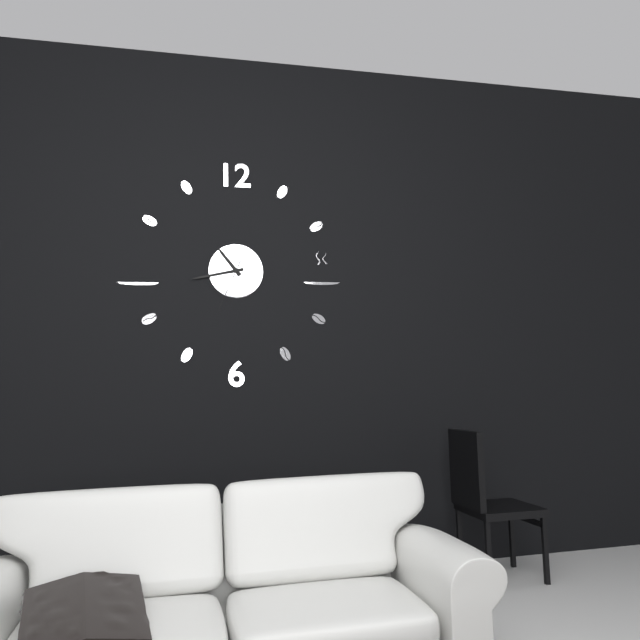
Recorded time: **10:43:34**
